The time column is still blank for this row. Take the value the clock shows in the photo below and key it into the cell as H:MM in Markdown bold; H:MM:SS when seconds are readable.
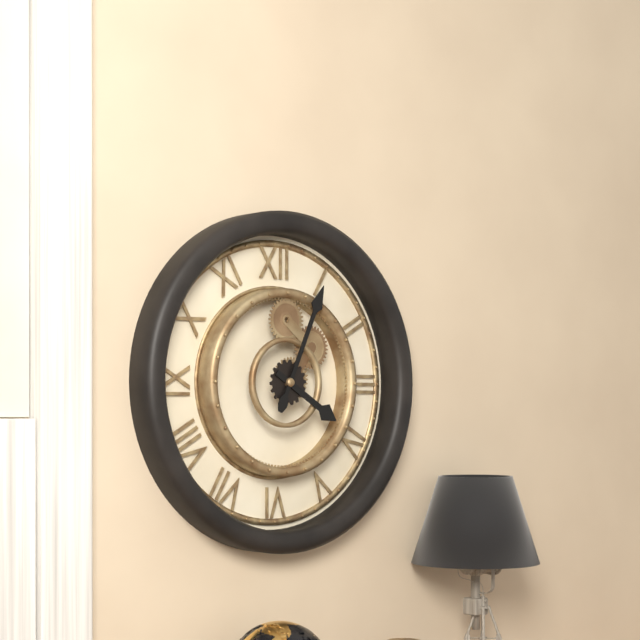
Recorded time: **4:04**
